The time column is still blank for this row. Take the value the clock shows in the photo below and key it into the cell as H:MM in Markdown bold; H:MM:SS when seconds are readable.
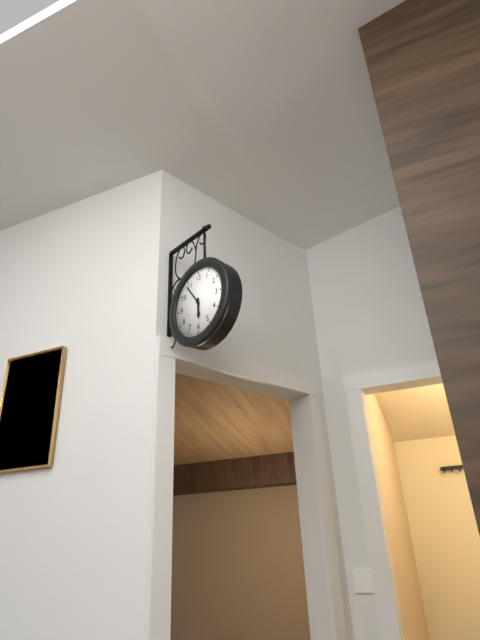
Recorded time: **5:54**
